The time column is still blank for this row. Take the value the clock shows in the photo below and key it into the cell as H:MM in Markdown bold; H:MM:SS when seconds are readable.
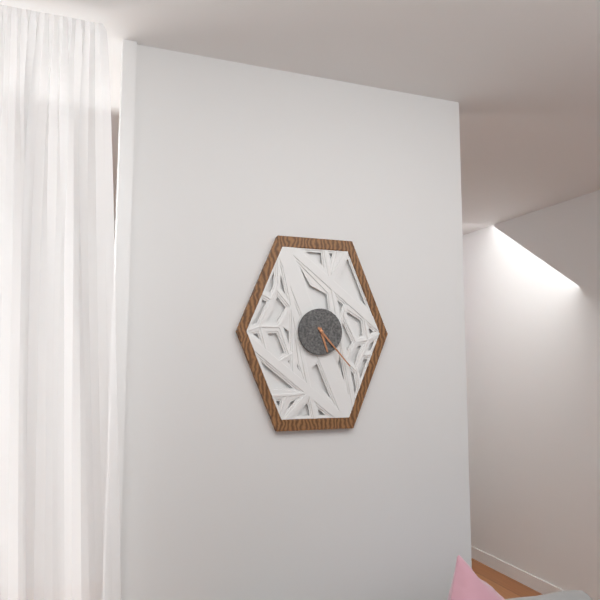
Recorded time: **5:23**
